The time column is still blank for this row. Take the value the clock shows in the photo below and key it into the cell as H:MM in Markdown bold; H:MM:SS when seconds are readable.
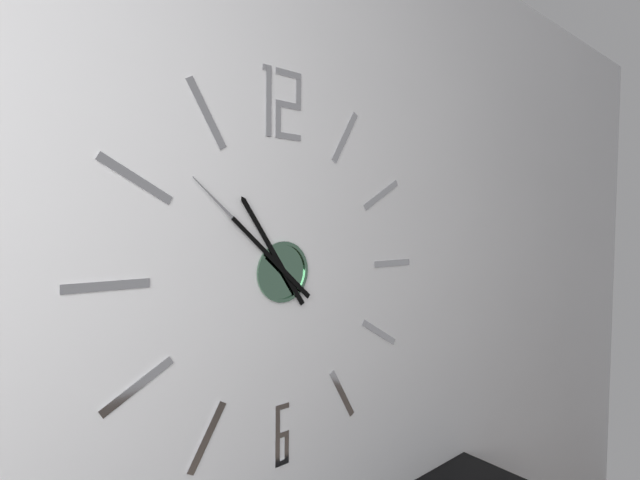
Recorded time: **10:52**
